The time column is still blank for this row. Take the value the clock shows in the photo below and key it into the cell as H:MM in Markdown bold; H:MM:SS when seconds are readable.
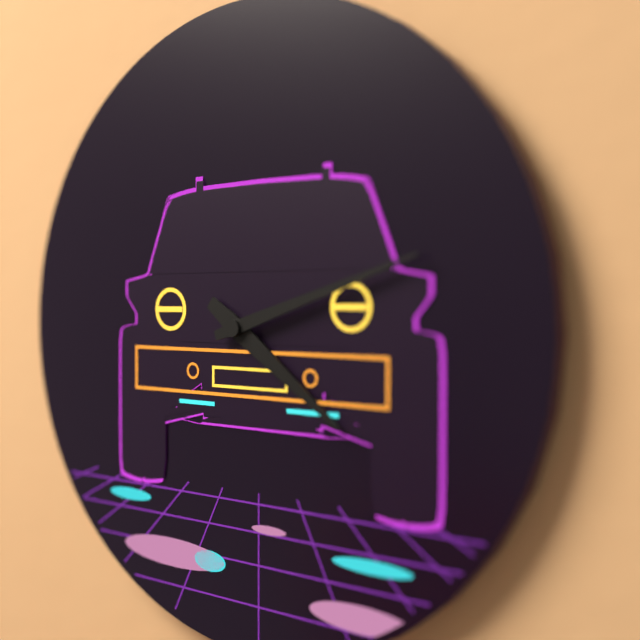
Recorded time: **4:12**
